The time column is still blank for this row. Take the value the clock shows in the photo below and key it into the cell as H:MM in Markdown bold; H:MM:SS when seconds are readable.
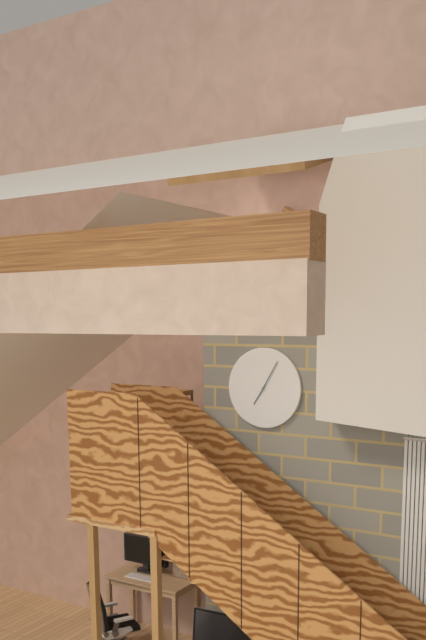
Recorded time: **7:05**
